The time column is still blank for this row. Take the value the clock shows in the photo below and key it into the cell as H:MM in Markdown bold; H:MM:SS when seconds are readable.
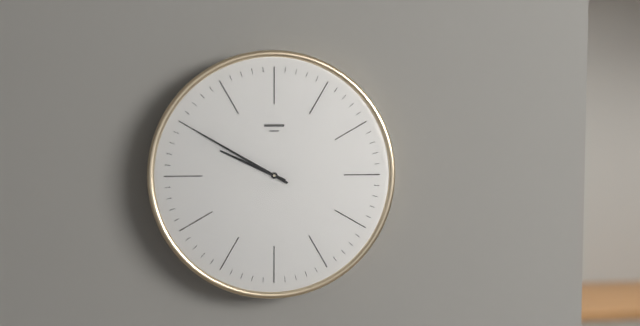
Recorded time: **9:50**
